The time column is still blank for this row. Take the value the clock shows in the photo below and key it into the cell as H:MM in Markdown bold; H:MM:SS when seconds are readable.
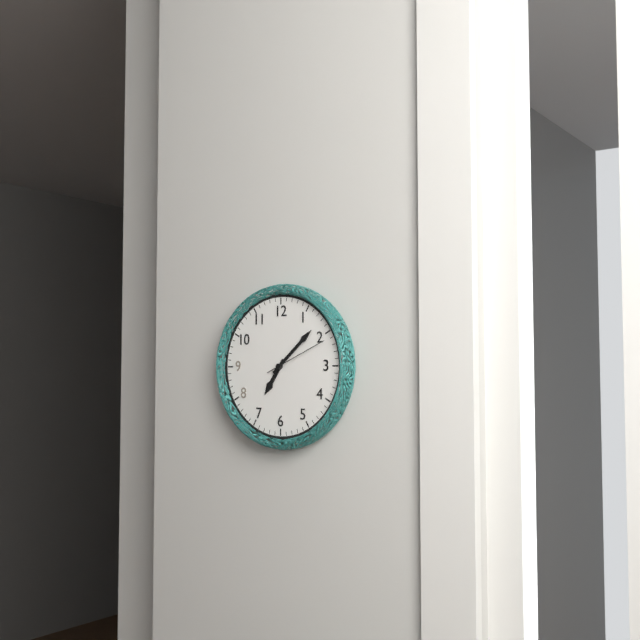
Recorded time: **7:08:11**
